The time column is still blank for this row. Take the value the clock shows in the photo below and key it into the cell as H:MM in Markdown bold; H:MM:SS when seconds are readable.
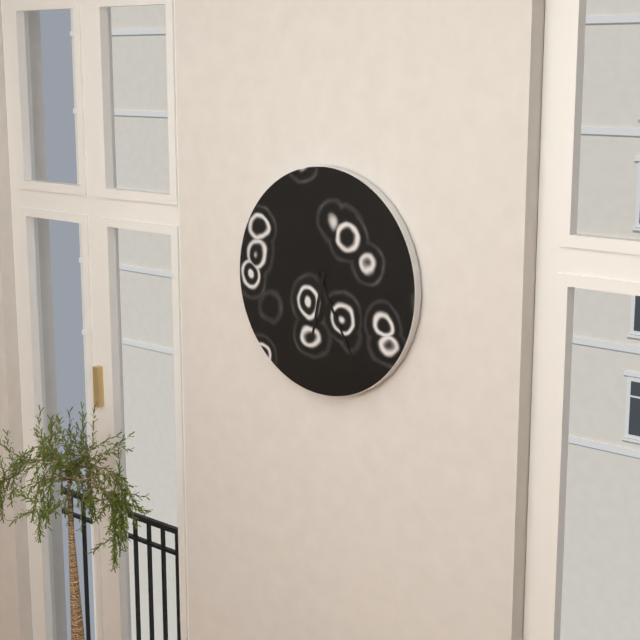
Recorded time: **6:25**
